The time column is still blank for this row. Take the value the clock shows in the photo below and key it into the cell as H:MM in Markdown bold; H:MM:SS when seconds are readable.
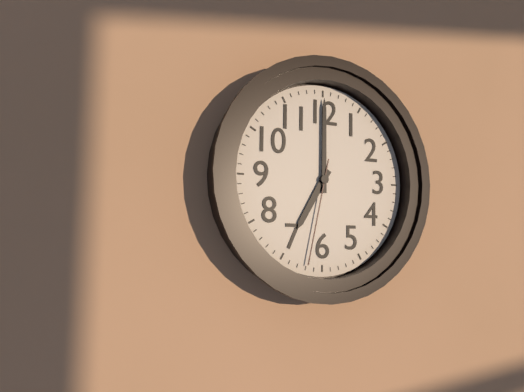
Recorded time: **7:00:32**
